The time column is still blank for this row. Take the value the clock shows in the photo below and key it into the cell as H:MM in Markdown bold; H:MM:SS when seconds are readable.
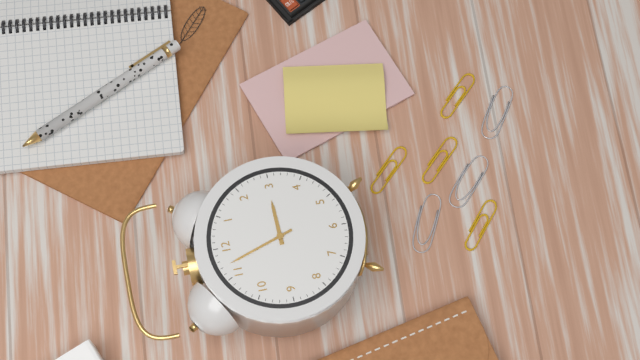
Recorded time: **2:57**
